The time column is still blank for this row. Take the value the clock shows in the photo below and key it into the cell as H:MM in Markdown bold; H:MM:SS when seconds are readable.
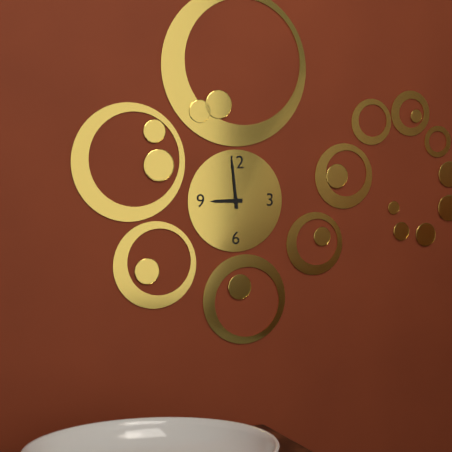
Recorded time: **8:59**
